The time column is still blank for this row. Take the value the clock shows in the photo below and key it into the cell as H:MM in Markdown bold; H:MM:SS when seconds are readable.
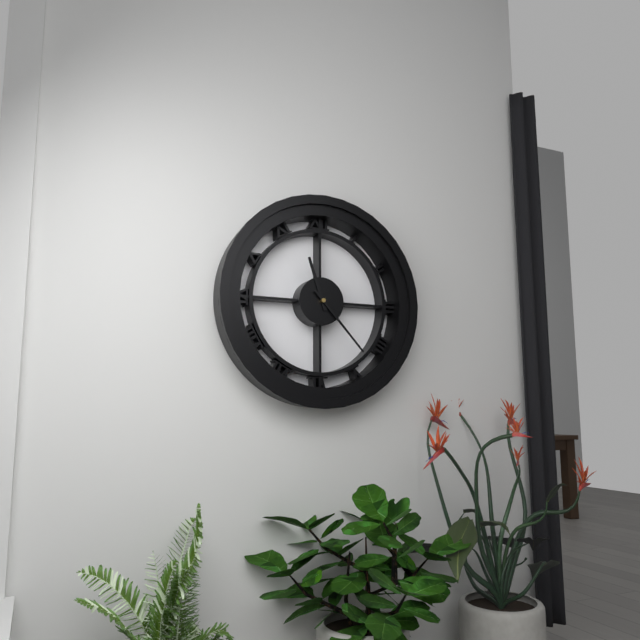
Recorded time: **11:23**
